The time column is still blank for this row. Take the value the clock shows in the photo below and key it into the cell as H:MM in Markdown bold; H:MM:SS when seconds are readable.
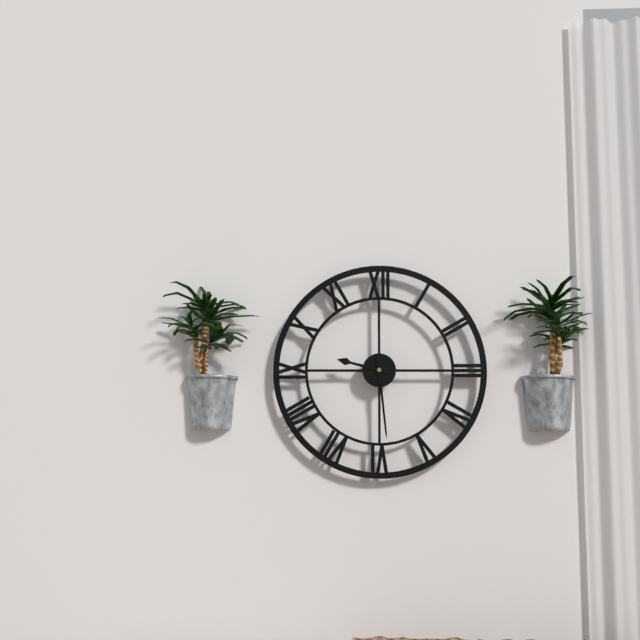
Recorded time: **9:29**
